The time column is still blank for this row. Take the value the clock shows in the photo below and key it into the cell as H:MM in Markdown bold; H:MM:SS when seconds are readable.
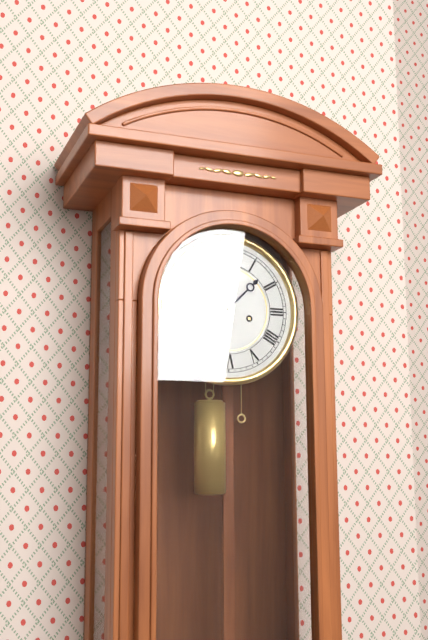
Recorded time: **1:31**
